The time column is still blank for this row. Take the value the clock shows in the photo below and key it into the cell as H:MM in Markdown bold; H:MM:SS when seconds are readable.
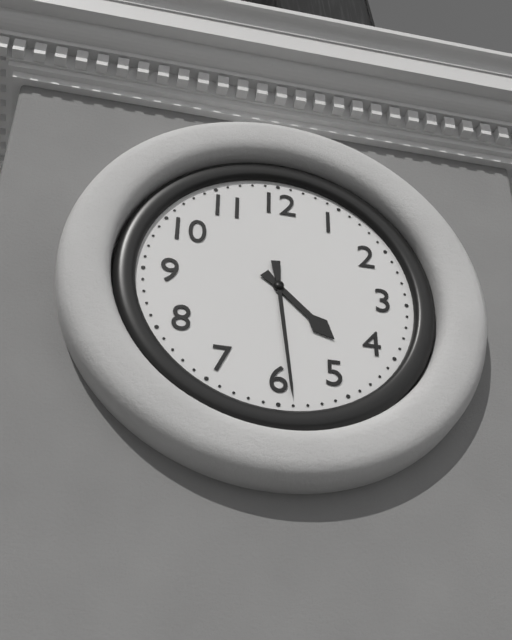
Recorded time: **4:29**
